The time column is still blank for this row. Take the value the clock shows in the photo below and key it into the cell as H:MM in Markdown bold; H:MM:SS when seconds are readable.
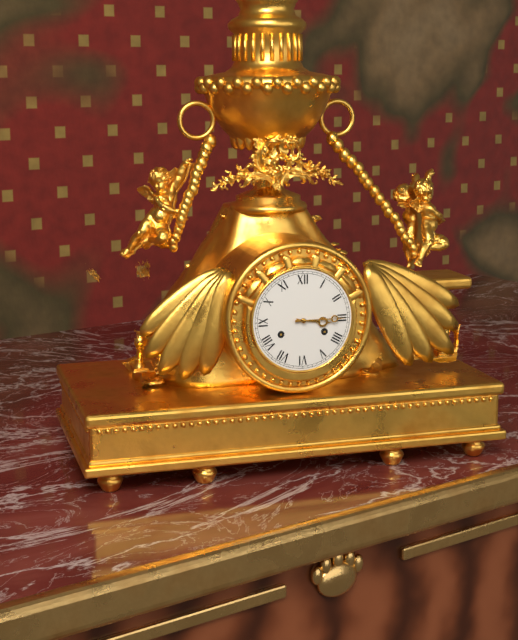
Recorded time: **3:15**
